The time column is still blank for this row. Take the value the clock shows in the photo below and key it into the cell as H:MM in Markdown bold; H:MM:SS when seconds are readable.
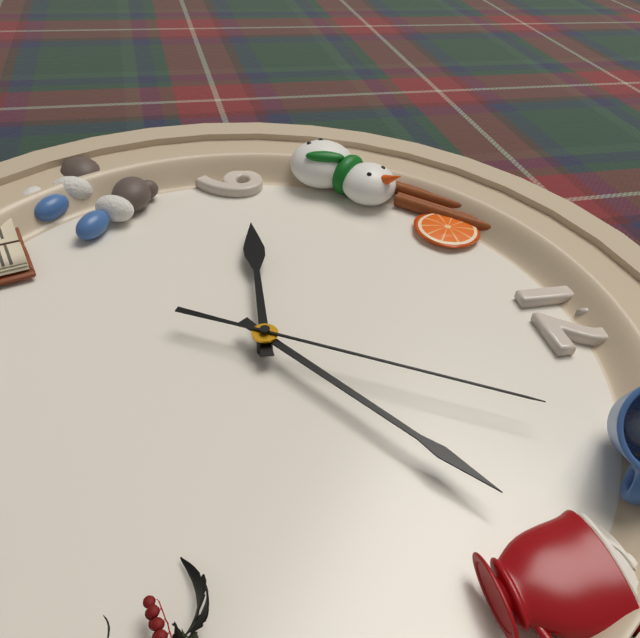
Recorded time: **9:09:05**
